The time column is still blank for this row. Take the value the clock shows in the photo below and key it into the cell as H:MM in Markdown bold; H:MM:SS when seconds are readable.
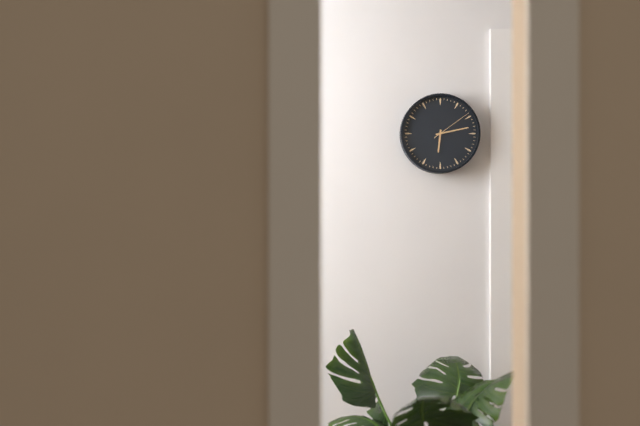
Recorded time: **6:13**
